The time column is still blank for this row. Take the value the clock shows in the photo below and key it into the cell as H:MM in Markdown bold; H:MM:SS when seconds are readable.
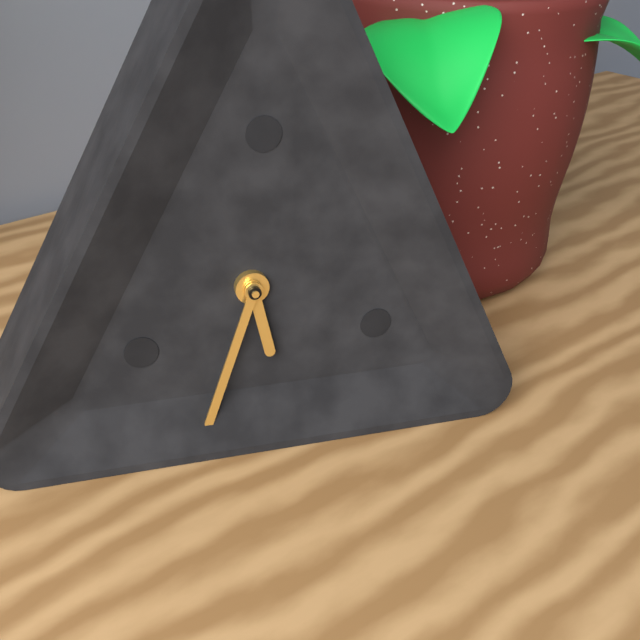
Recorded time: **5:33**
